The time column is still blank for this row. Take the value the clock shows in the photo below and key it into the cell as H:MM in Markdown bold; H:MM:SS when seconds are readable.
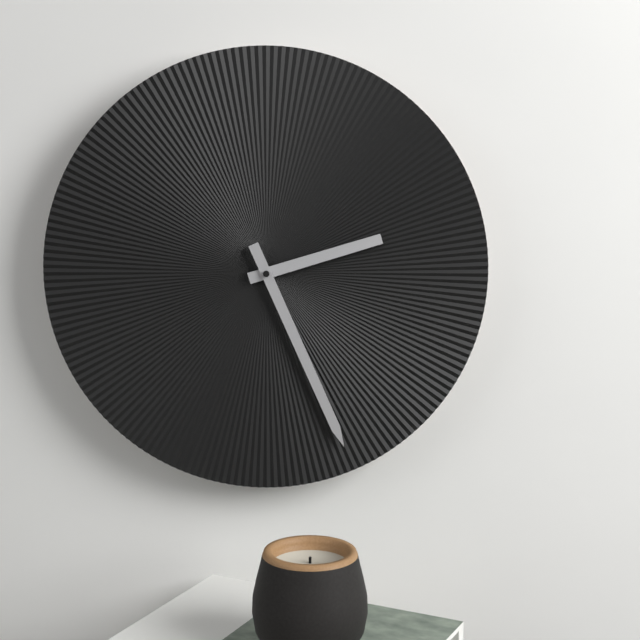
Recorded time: **2:26**
